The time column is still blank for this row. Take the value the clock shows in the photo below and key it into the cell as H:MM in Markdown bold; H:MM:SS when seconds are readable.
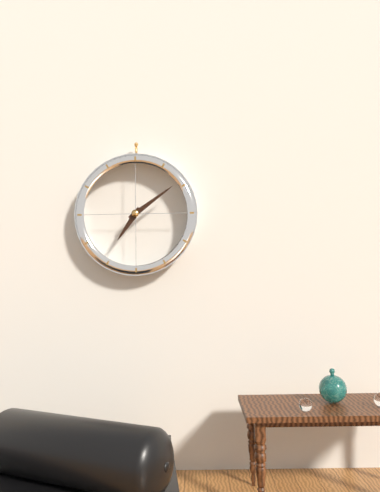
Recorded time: **7:09**
